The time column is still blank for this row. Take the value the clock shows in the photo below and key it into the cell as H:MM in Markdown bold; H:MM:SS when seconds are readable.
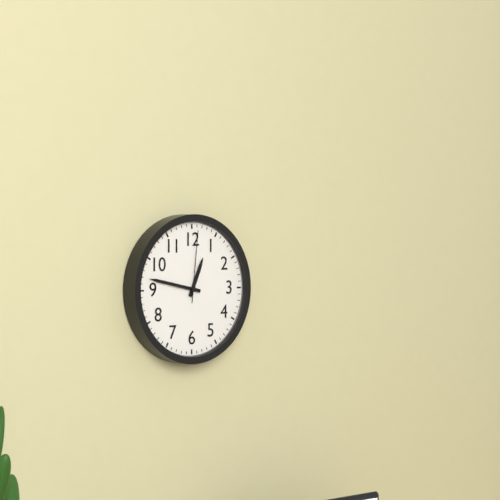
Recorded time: **12:47:01**
